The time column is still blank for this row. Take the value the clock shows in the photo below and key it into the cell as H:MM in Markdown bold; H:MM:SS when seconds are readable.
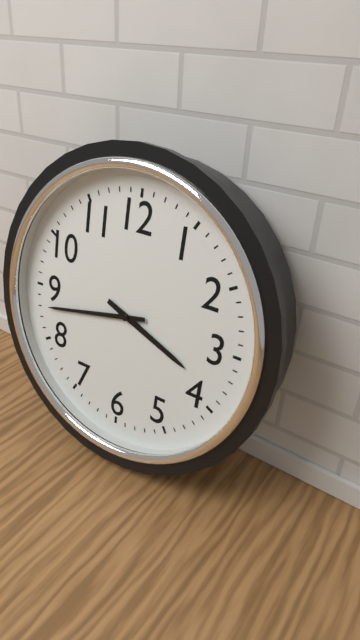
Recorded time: **3:43**
